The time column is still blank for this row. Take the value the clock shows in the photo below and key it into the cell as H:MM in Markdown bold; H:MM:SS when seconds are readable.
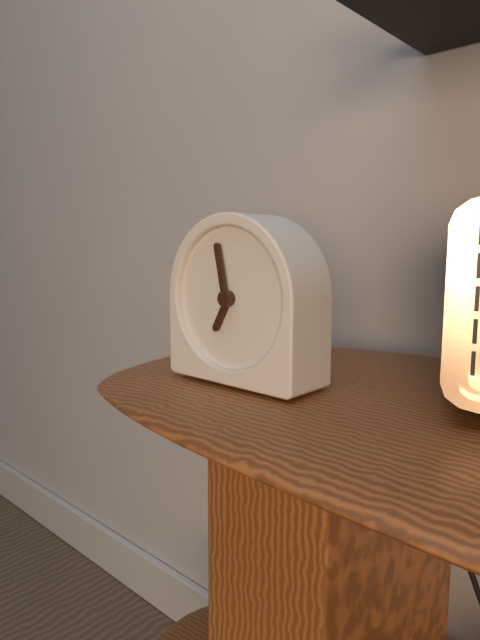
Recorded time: **6:58**
